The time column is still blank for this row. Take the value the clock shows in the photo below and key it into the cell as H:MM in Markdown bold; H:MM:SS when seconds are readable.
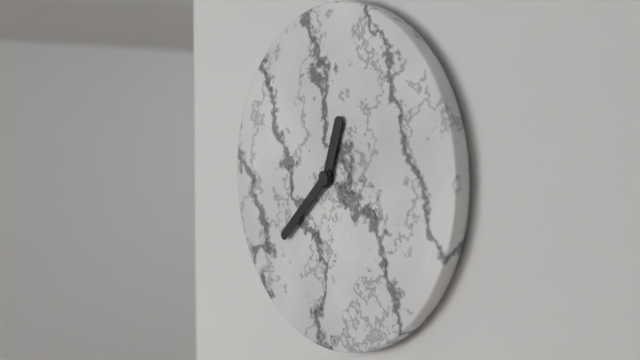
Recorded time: **12:38**
